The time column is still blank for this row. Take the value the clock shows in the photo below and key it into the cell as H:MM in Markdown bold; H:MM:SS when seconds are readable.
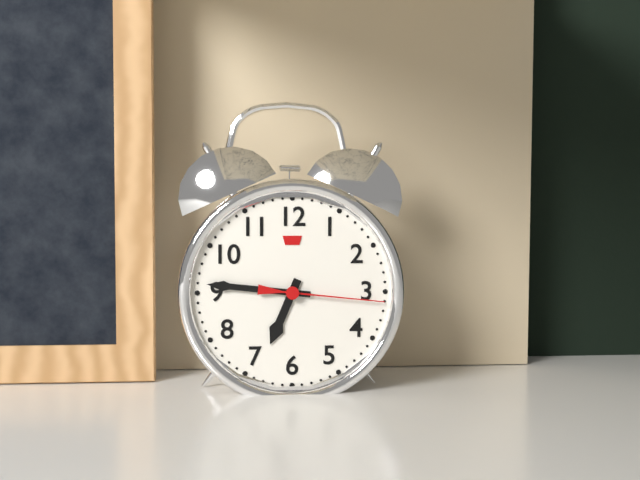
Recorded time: **6:46:16**
